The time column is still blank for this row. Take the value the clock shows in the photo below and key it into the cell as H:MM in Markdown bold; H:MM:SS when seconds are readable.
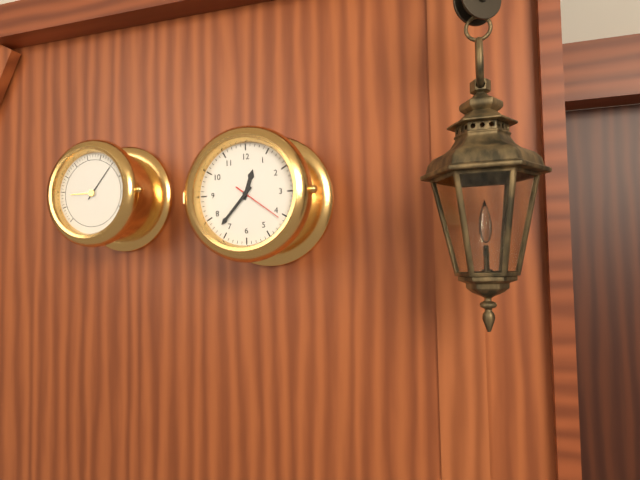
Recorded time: **12:37:21**
